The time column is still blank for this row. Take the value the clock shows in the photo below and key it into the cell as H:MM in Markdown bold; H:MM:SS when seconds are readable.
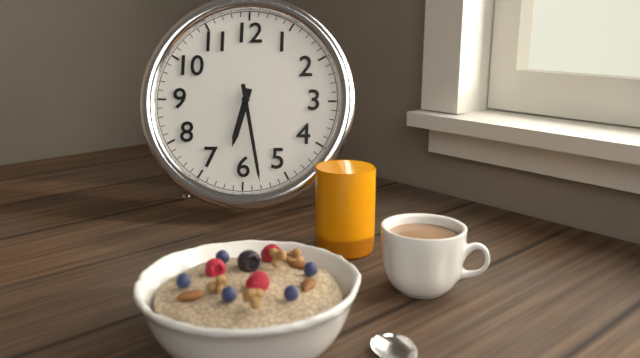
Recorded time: **6:28**
